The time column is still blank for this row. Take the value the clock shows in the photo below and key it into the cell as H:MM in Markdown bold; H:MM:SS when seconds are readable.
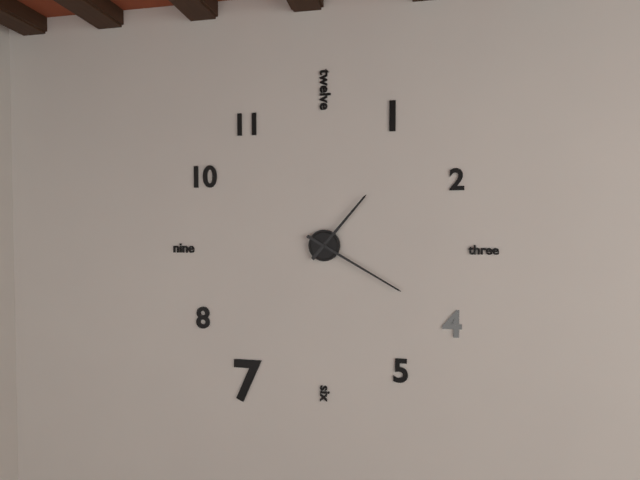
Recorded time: **1:20**
